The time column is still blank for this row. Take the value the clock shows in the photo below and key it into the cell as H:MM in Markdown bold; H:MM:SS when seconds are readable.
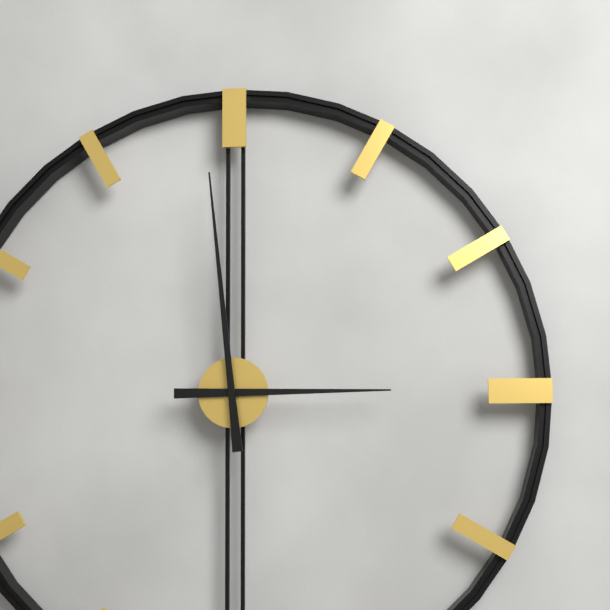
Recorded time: **2:59**
